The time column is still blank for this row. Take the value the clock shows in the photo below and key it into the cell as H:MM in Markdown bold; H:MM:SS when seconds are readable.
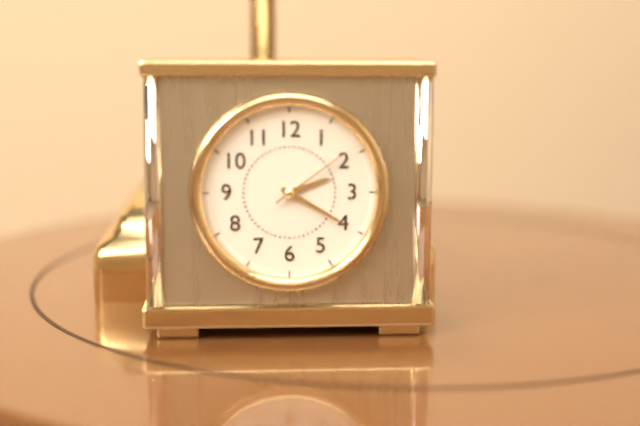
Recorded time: **2:20:09**
